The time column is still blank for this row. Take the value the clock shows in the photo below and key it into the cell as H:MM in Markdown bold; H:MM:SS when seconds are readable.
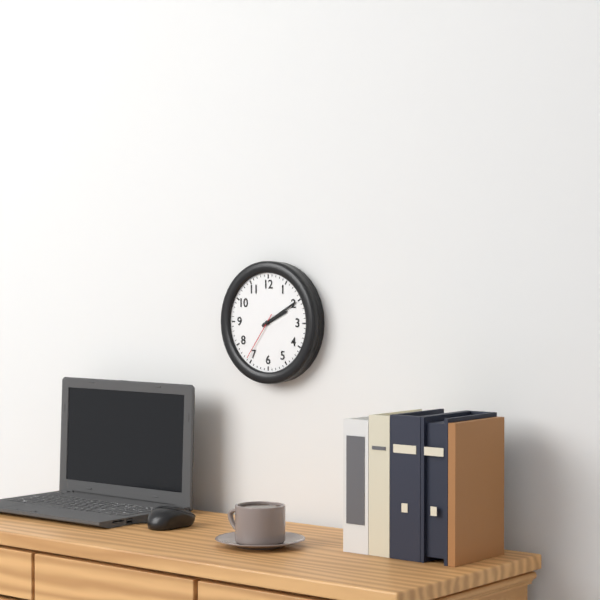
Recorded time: **2:10:36**
